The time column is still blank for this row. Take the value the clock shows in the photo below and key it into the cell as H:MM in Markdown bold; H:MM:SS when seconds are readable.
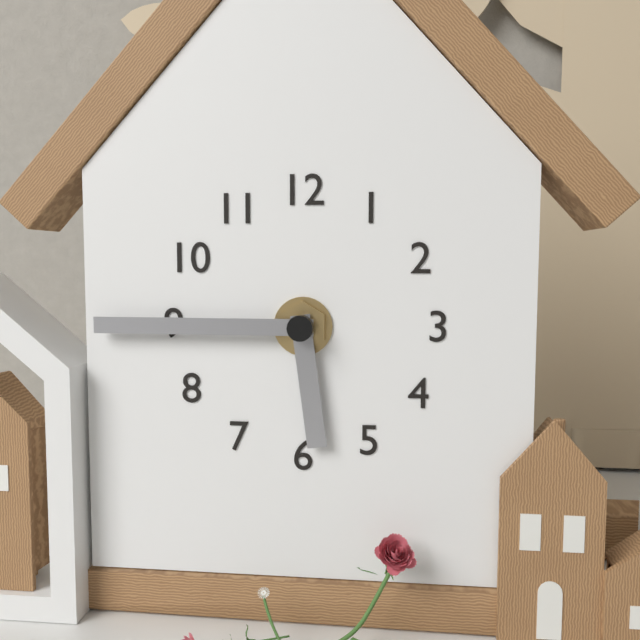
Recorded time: **5:45**
